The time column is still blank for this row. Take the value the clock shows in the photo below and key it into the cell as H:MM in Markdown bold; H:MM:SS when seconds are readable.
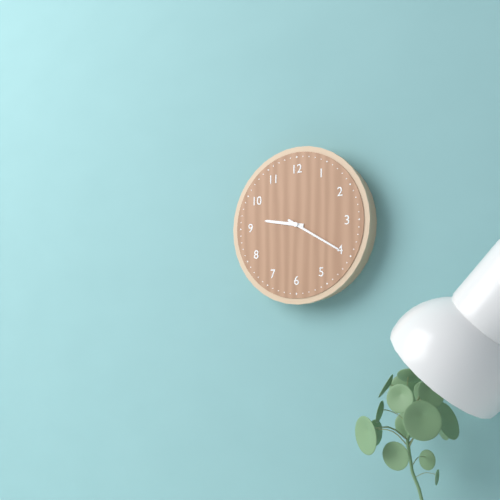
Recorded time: **9:20**
